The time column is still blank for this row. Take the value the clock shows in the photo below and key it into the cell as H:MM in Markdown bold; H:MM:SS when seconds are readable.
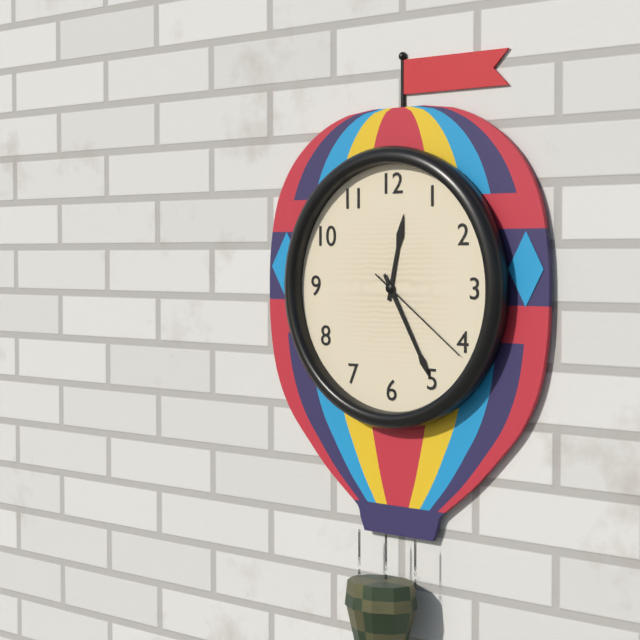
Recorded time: **12:25:21**
